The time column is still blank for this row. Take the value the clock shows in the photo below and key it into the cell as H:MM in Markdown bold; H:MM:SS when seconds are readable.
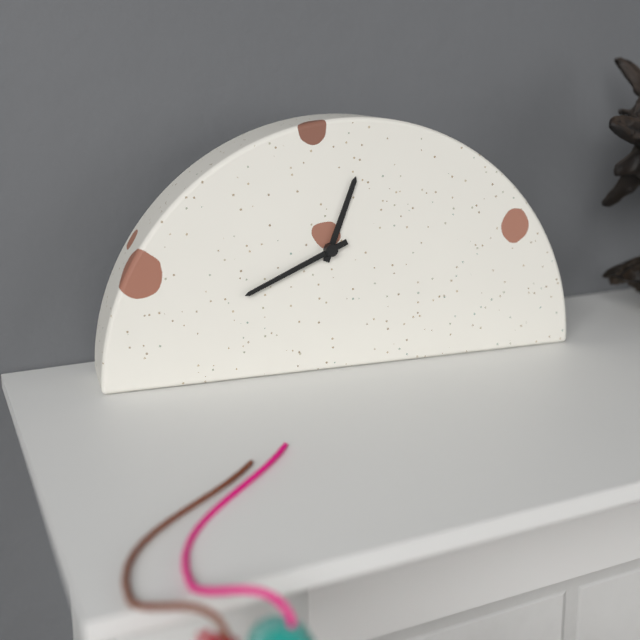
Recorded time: **12:41**
